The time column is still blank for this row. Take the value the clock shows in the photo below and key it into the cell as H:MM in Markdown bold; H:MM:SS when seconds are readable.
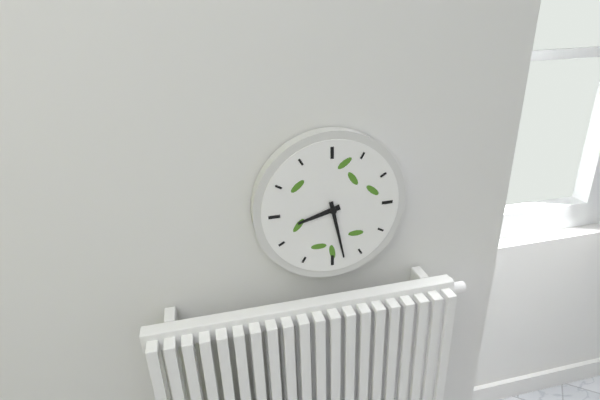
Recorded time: **8:28**
